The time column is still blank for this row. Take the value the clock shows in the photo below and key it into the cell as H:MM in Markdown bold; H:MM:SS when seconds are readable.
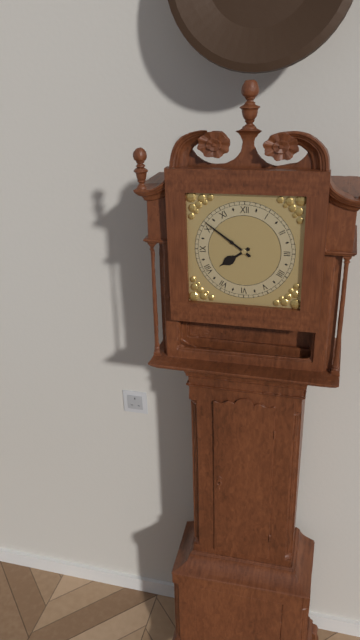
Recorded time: **7:51**
